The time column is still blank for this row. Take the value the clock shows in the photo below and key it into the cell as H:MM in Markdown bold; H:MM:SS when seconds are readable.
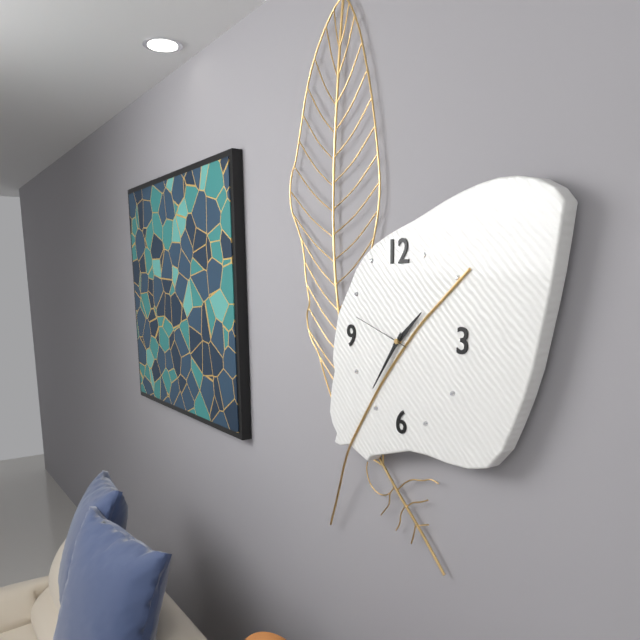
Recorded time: **1:36:48**
